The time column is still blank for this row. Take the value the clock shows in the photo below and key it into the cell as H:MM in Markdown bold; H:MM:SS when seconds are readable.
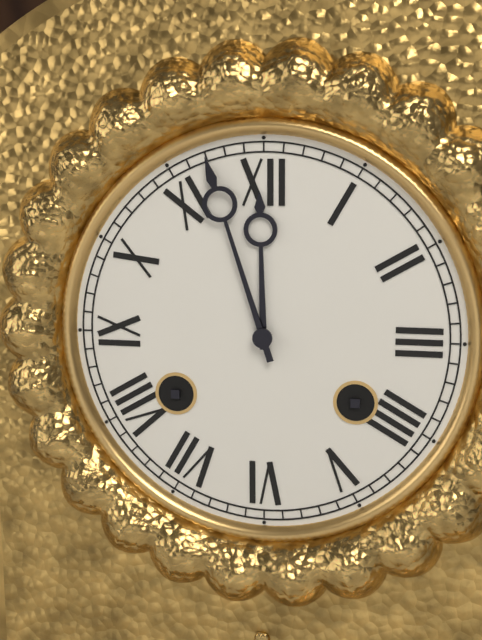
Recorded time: **11:57**
